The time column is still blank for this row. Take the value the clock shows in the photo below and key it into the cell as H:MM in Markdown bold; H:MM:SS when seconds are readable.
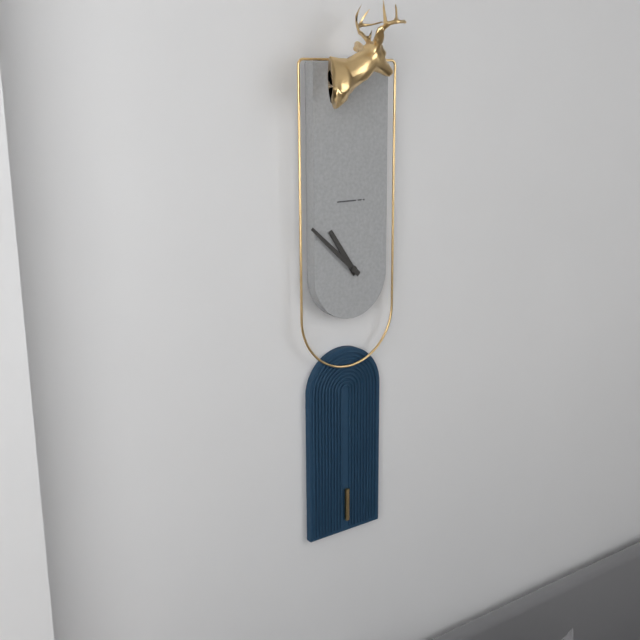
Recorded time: **10:52**
